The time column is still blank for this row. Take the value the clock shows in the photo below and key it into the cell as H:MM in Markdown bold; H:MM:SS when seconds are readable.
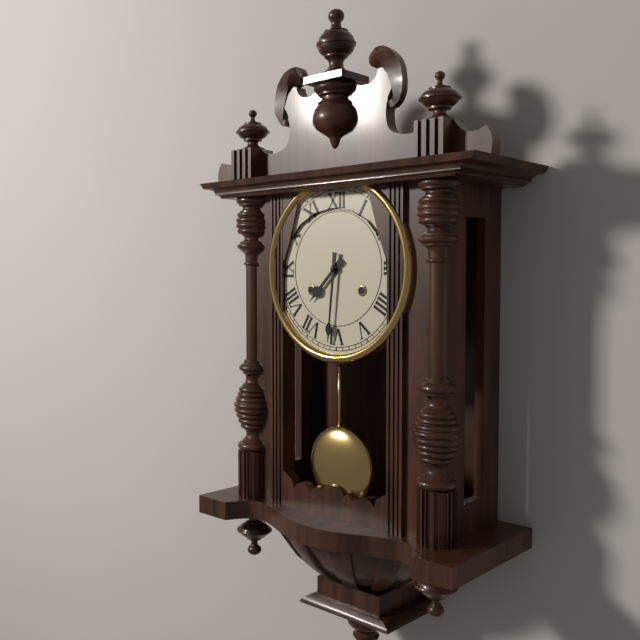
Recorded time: **7:31**
